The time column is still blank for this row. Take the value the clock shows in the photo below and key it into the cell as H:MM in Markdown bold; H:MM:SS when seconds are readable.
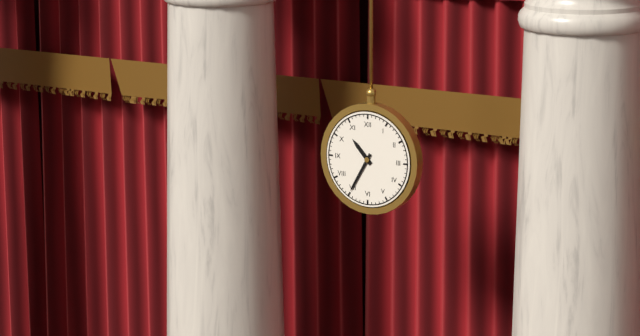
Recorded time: **10:35**
